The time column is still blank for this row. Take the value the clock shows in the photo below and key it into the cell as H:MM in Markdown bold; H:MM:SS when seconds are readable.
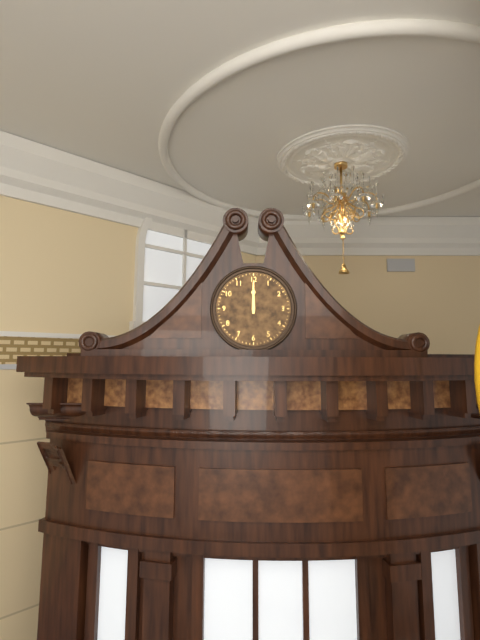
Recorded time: **12:00**
